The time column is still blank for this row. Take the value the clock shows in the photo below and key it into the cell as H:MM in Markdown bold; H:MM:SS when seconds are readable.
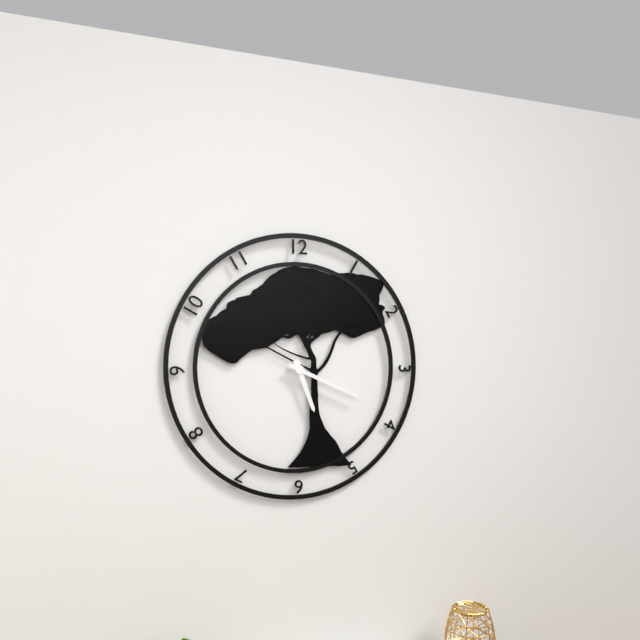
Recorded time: **5:19**
